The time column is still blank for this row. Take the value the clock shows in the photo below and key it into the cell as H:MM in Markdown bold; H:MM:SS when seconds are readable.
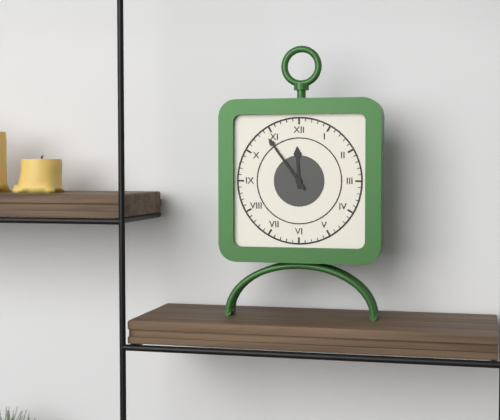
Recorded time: **11:54**
